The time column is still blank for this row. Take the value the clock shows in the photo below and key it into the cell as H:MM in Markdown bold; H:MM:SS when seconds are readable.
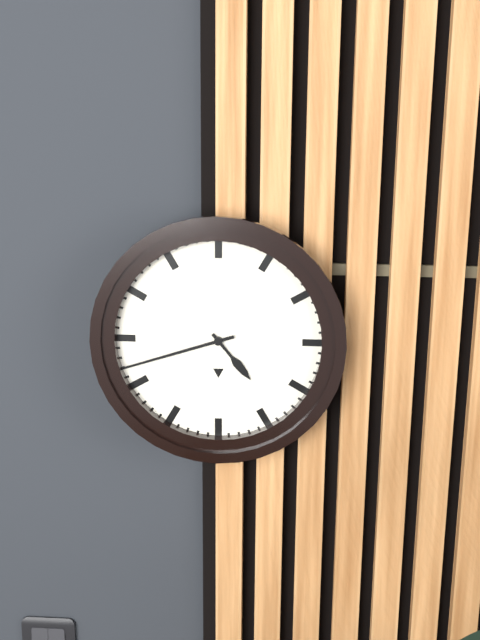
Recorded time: **4:42**
